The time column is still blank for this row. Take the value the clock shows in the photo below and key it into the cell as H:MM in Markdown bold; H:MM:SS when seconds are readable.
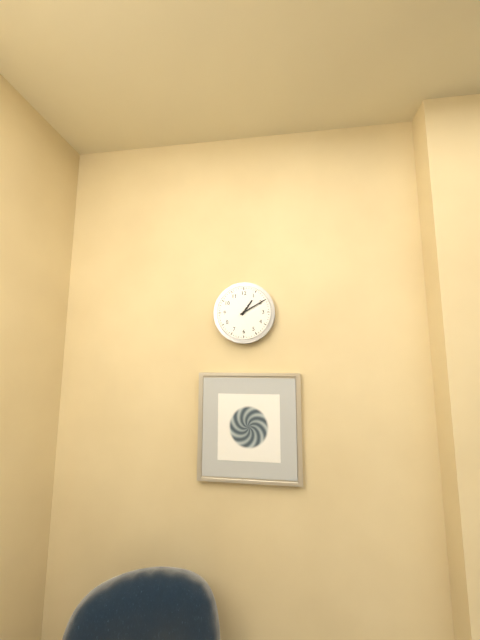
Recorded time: **1:10**
